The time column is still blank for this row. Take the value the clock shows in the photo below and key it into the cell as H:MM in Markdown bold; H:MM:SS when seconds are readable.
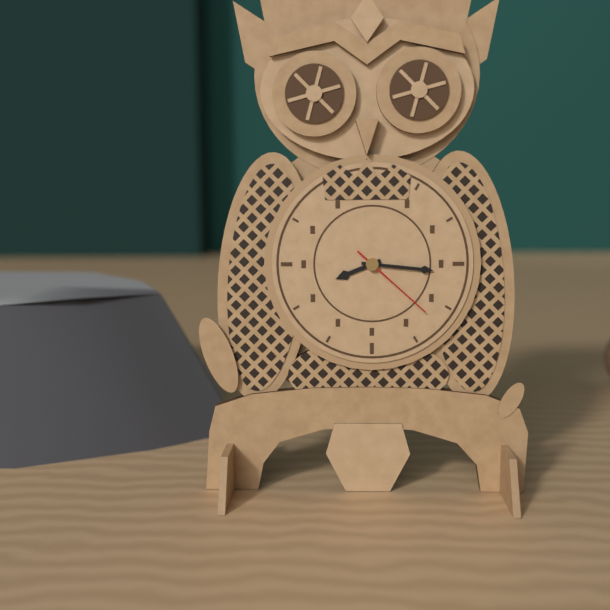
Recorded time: **8:16:22**
